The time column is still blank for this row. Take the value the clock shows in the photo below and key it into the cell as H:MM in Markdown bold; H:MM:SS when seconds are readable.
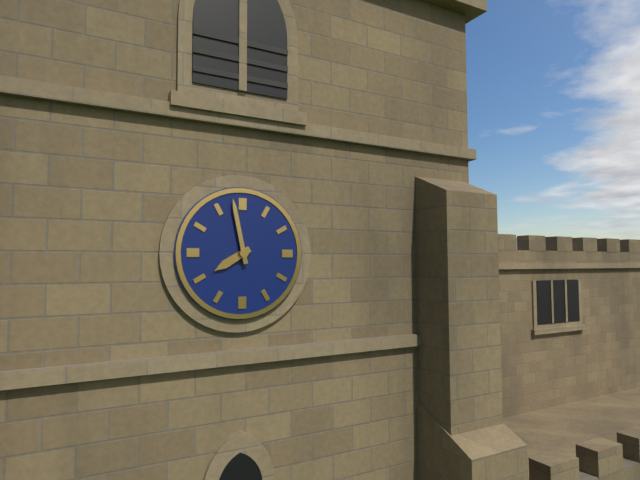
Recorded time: **7:58**
